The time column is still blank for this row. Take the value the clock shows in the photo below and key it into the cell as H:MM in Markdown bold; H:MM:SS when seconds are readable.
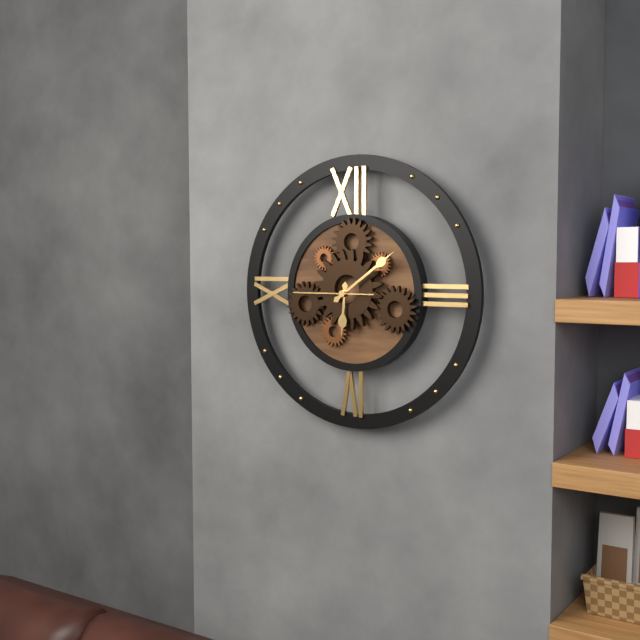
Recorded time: **6:09:45**
